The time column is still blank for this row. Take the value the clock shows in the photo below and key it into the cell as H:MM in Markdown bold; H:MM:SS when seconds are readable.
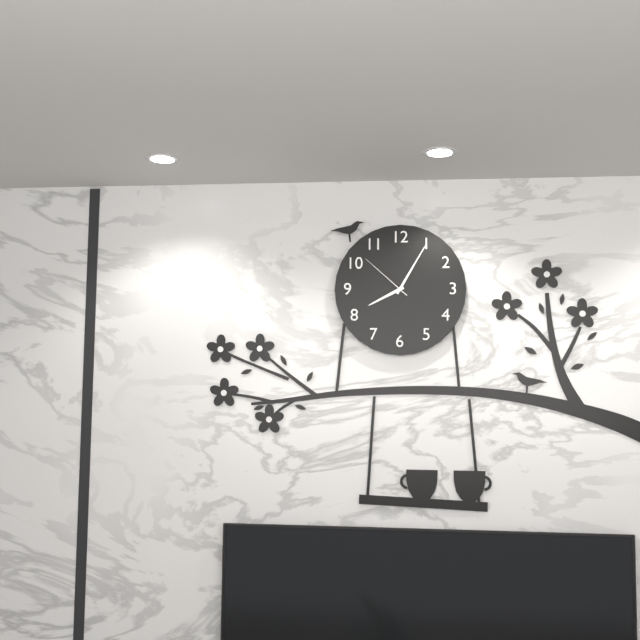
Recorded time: **8:05:52**
